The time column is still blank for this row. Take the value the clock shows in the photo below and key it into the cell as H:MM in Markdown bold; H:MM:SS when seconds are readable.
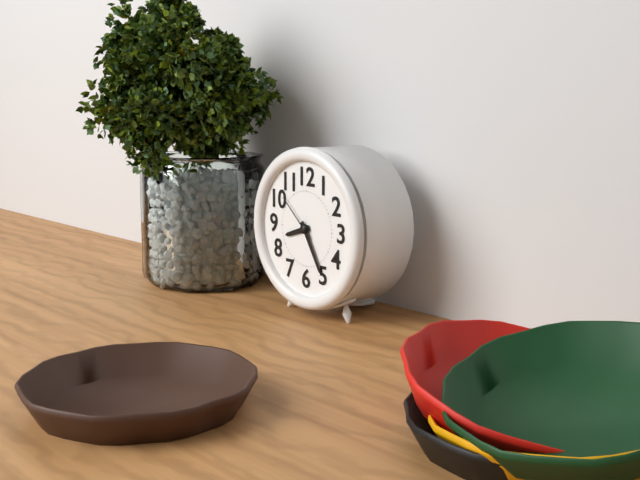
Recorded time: **8:25**
